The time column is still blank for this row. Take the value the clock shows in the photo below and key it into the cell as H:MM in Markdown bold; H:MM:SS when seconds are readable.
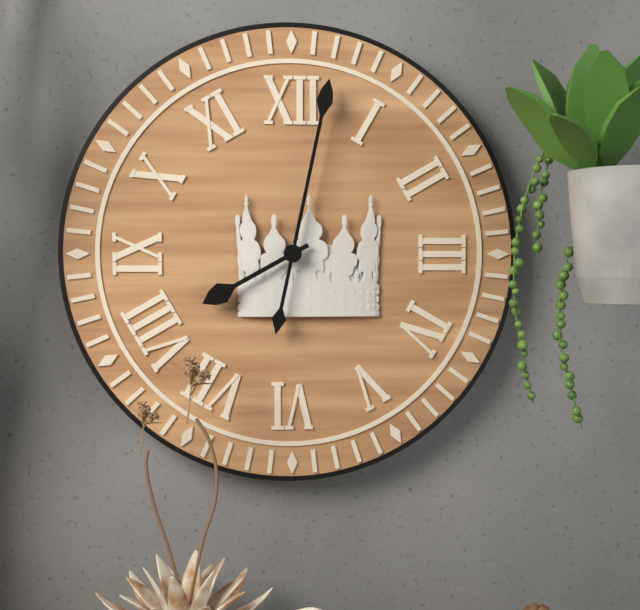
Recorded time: **8:02**
